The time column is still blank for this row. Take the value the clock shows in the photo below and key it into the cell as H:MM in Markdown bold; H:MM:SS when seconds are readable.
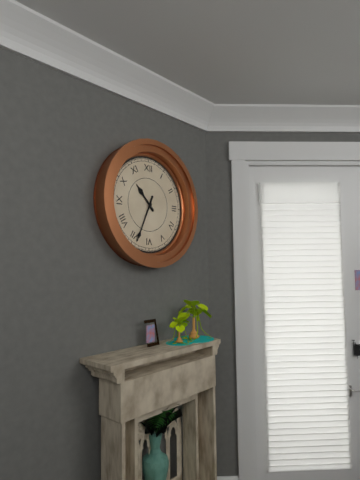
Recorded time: **10:34**
